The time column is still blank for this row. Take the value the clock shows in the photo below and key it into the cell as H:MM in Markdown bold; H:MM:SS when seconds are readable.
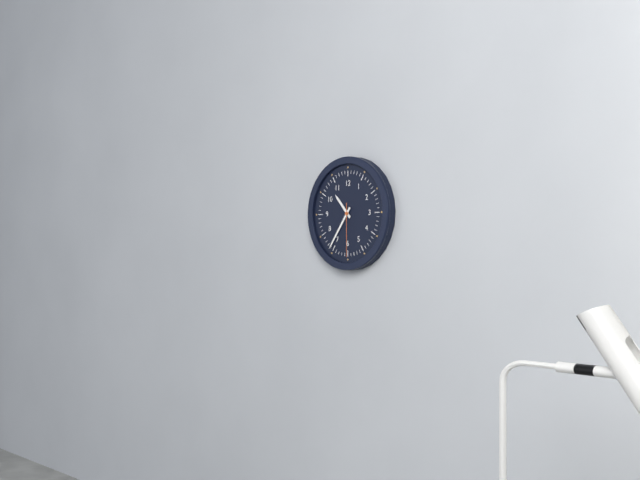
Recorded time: **10:36:30**
